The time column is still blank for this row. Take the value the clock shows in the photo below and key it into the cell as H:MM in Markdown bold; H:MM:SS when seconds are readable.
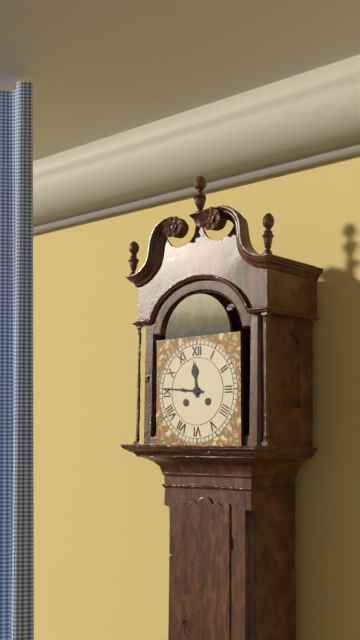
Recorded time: **11:46**
